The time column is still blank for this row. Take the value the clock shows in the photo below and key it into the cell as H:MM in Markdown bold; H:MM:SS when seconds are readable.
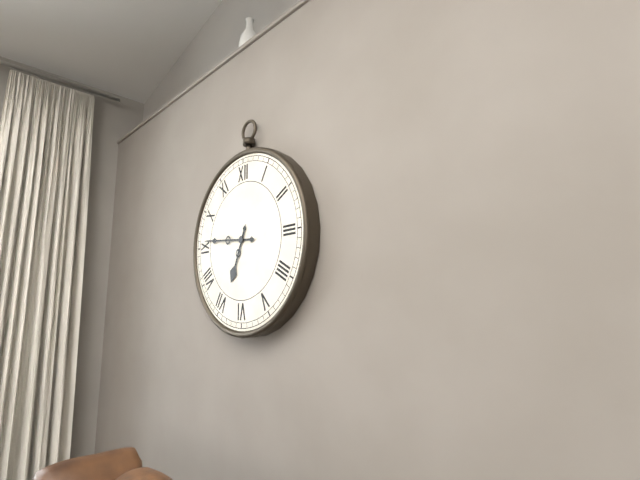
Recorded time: **6:46**
